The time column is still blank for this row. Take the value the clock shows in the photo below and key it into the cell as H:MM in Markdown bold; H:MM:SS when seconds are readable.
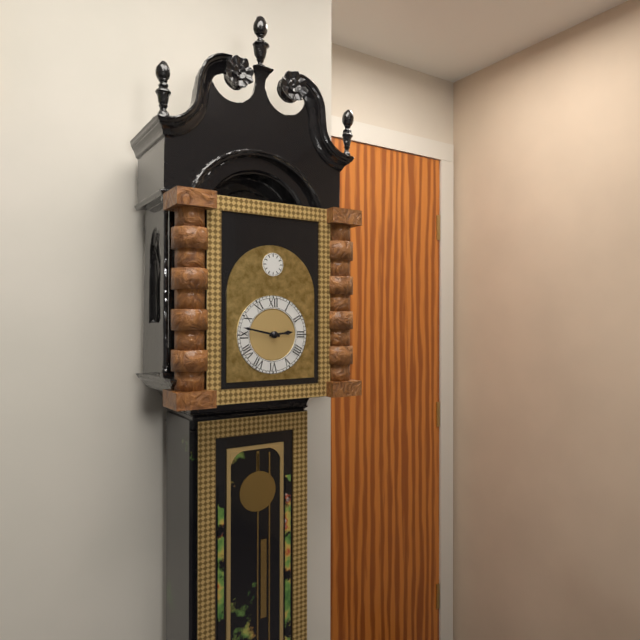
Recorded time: **2:47**
